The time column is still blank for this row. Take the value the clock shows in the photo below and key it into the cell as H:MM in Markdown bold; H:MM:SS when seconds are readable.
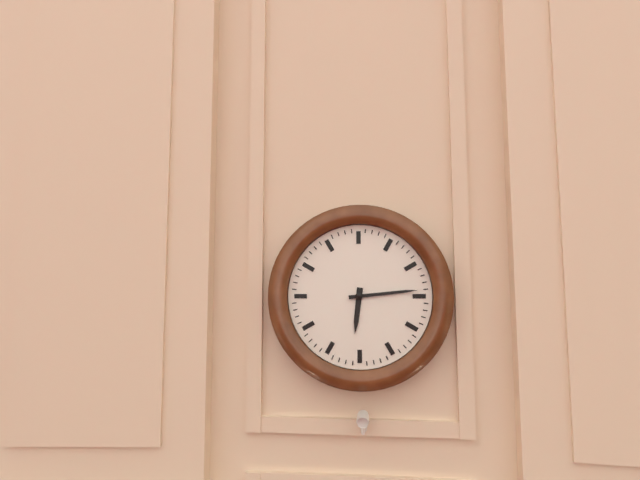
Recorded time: **6:14**
